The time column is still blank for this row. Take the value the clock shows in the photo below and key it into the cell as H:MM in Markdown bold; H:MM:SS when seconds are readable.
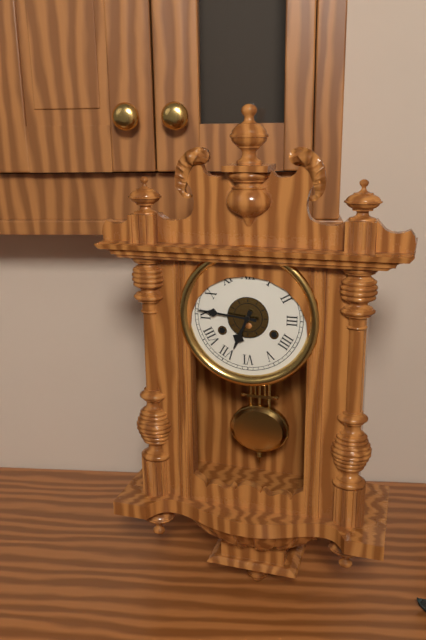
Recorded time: **6:46**
